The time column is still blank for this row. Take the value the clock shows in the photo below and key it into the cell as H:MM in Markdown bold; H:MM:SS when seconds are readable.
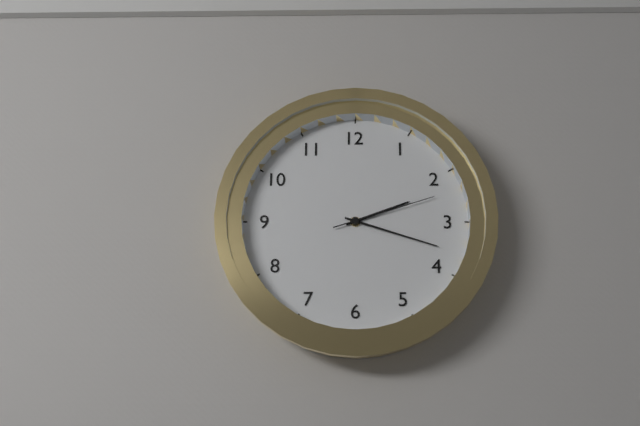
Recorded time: **2:18:12**
